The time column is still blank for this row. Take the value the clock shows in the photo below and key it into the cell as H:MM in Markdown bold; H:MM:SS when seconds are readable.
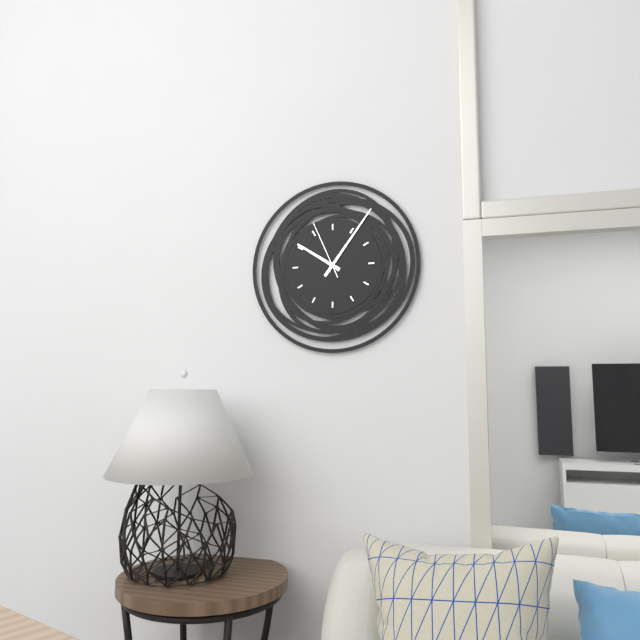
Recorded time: **10:06:56**
